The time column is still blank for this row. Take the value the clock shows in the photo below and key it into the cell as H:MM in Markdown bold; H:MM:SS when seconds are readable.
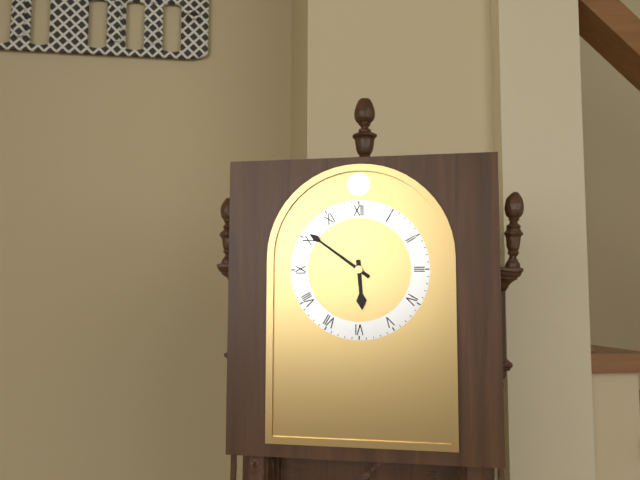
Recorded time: **5:51**
